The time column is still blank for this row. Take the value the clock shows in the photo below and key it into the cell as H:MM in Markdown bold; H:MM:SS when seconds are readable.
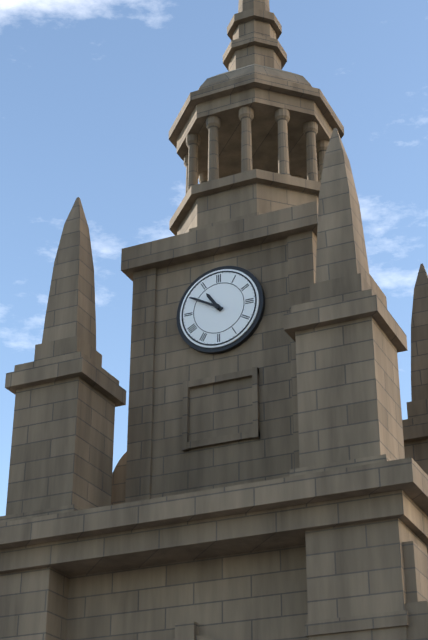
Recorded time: **10:50**
